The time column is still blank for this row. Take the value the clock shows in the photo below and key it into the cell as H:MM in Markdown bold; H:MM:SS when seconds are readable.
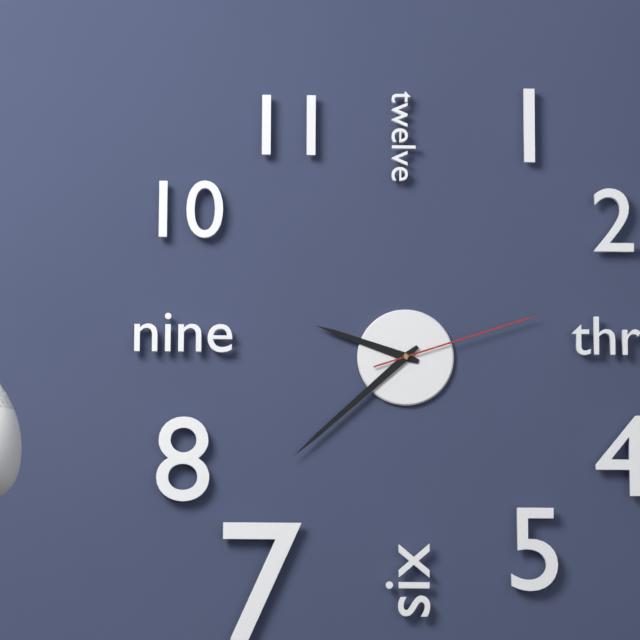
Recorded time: **9:38:12**
